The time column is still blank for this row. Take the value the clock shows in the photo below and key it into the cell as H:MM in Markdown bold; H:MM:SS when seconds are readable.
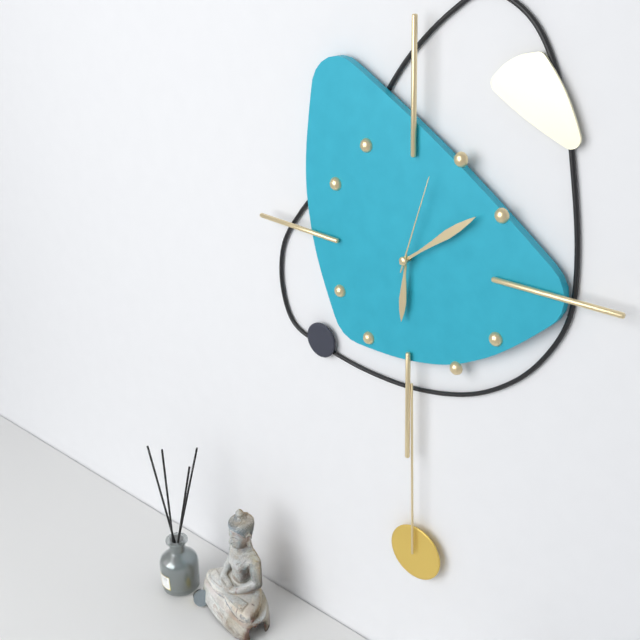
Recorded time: **6:09:03**
